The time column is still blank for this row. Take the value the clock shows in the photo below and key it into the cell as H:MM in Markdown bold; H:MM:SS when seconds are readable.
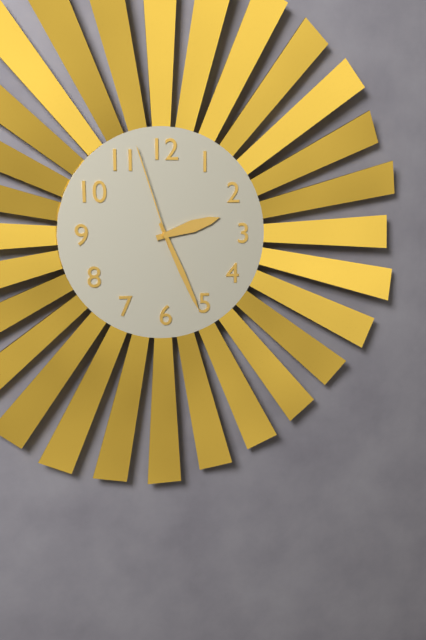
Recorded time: **2:26:57**
